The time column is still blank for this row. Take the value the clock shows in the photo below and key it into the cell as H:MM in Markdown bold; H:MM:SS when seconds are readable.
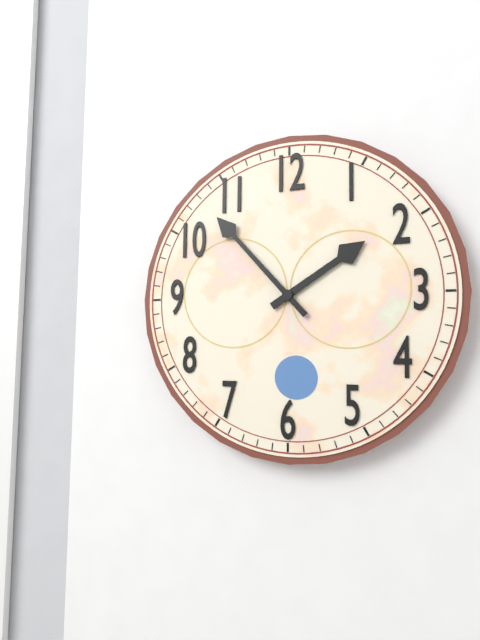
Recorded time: **1:53**
